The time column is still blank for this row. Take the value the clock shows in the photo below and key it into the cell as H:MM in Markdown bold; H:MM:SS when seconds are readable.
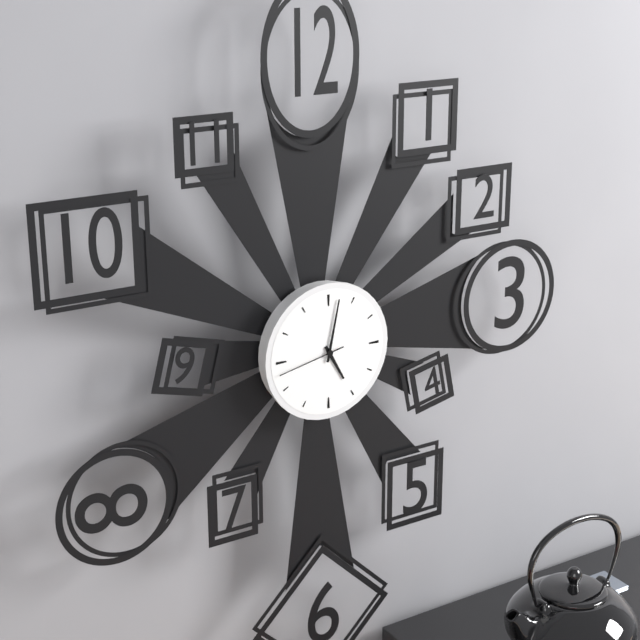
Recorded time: **5:02:43**
